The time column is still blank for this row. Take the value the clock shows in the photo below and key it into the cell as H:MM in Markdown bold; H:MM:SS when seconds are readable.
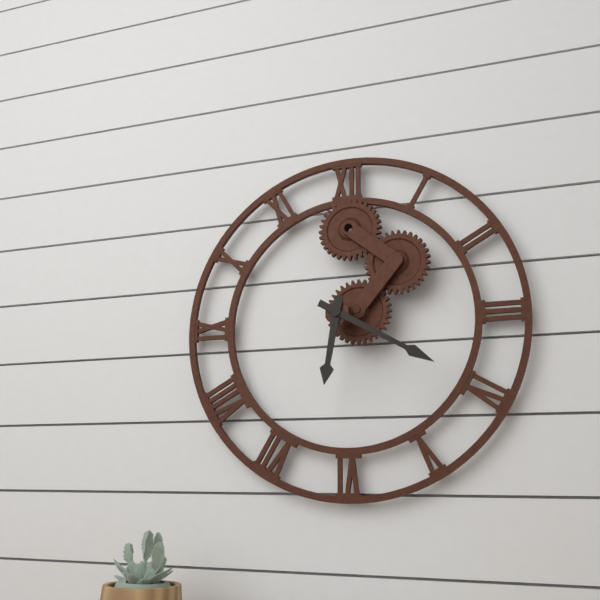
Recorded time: **6:20**
